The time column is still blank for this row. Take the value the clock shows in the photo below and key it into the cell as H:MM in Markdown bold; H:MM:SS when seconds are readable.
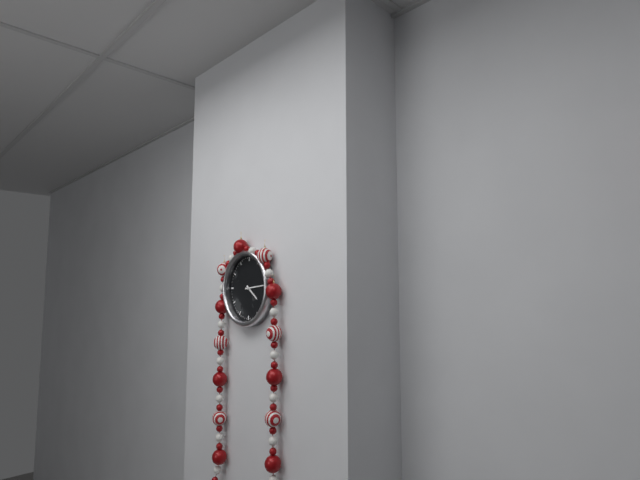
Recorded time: **4:14**
